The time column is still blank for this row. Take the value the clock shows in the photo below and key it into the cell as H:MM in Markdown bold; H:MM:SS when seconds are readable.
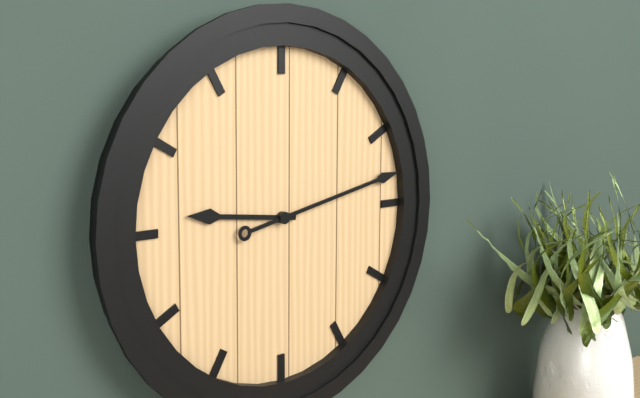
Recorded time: **9:13**
